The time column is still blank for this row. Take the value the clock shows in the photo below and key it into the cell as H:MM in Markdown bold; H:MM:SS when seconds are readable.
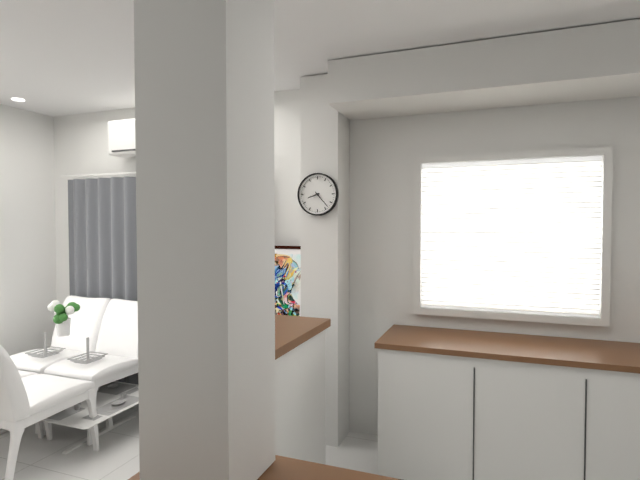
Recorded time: **8:23**
